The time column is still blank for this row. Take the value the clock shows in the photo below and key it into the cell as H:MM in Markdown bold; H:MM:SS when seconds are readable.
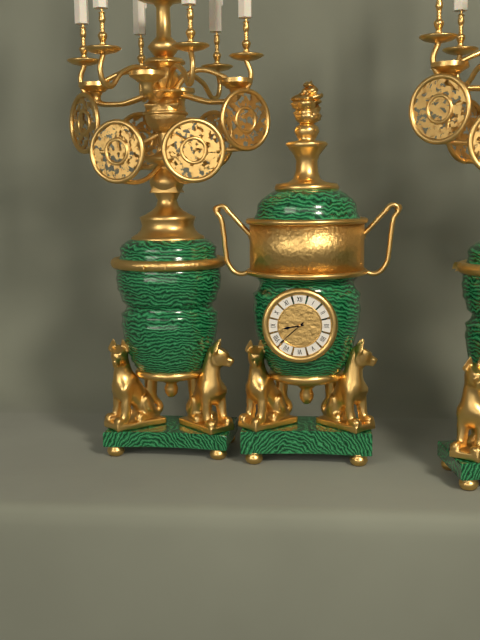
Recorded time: **8:38**
